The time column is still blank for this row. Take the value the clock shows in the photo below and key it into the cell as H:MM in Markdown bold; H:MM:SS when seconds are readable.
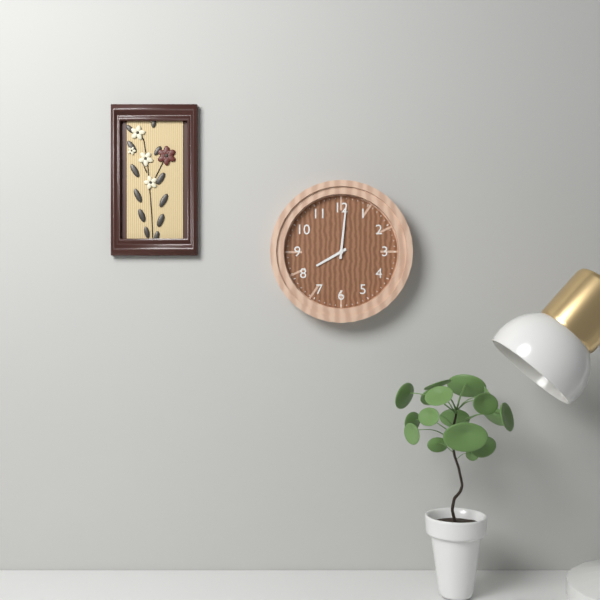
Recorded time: **8:01**
